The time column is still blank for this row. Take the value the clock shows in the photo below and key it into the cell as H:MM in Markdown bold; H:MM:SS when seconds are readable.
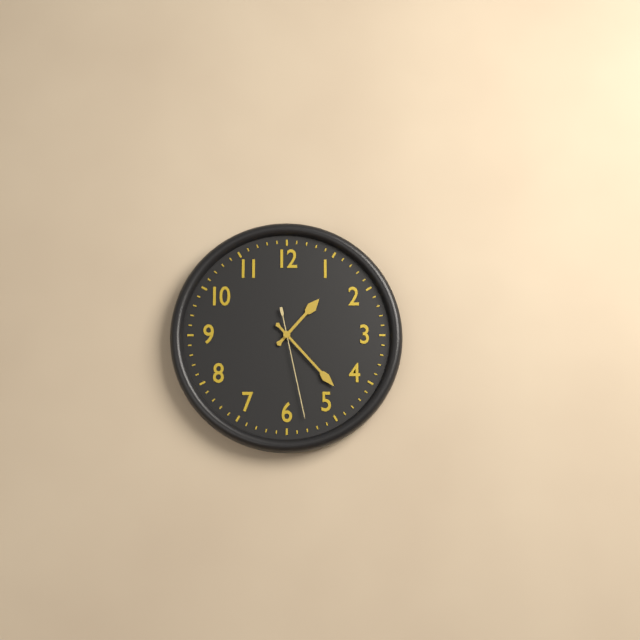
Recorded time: **1:23:28**
